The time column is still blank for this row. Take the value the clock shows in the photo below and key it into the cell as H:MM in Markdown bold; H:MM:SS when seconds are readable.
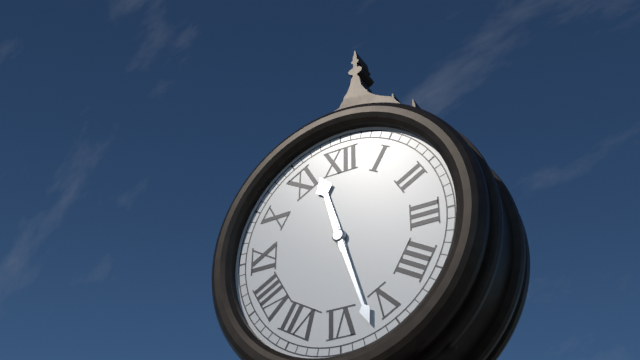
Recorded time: **11:27**
